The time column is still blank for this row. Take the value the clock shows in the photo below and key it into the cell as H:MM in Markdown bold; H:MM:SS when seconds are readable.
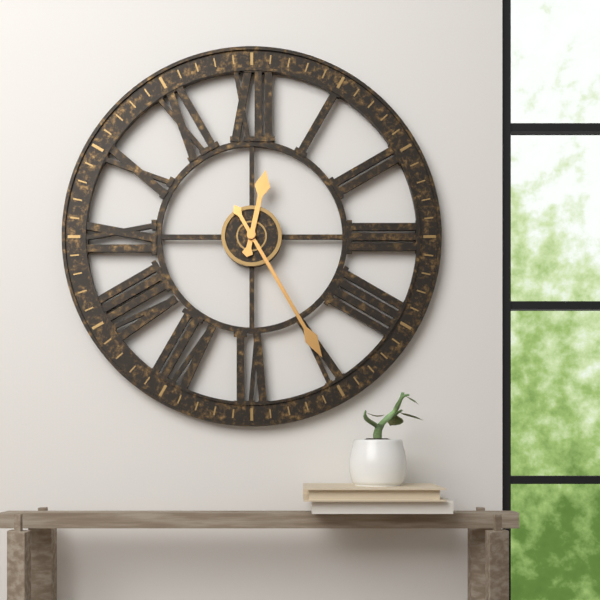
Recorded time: **12:25**
